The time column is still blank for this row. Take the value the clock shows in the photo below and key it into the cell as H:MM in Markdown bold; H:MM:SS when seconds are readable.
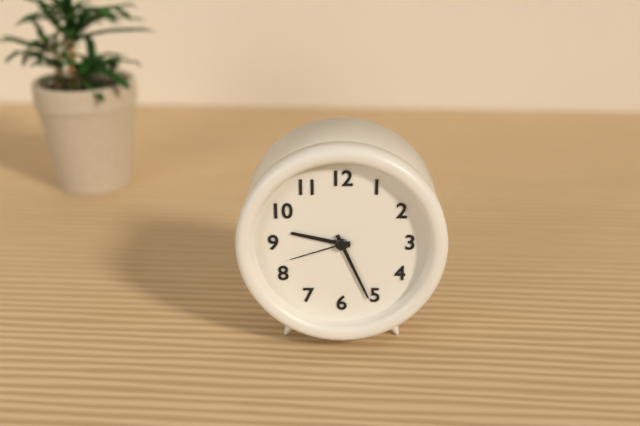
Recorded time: **9:26:42**
